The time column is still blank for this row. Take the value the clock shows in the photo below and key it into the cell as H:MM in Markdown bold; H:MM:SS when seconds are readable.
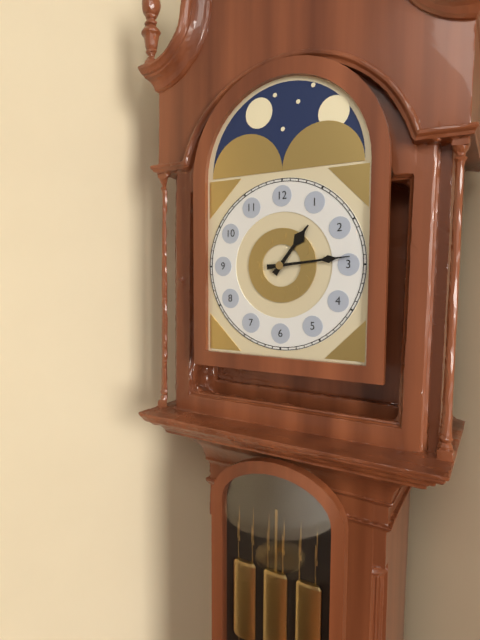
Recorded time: **1:14**
